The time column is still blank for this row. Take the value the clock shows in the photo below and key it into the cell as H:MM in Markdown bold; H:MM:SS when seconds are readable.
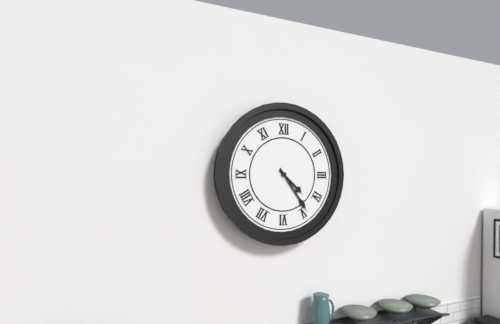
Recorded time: **4:24**
